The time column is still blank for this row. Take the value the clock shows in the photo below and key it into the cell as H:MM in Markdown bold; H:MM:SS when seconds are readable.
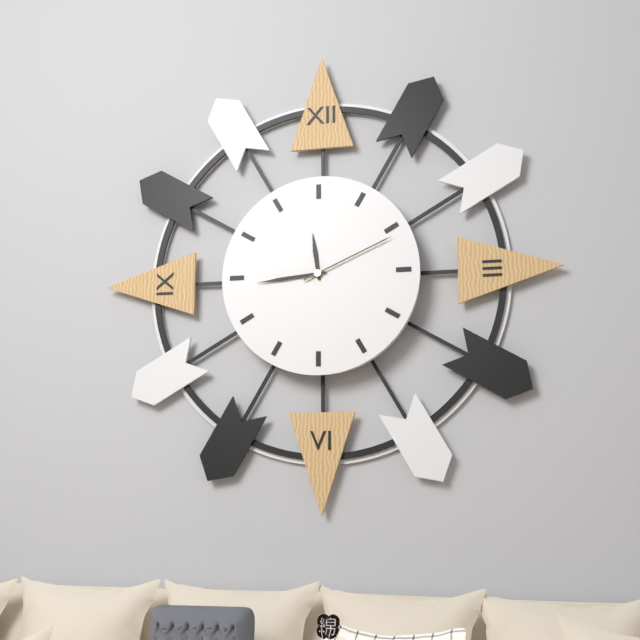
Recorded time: **11:44:11**
